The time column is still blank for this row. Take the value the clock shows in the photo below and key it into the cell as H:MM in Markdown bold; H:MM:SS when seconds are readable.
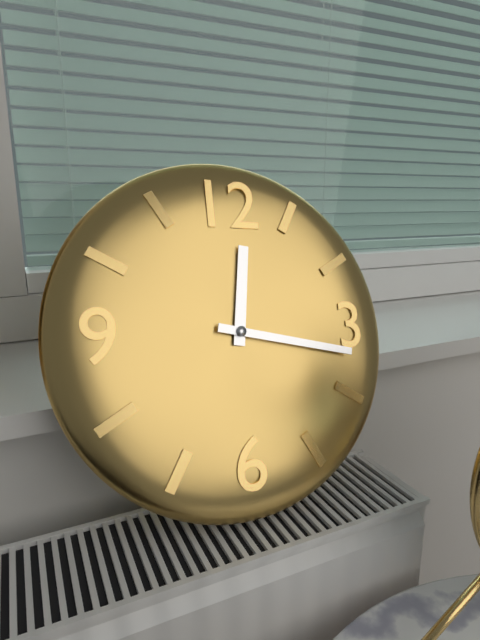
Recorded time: **12:17**
